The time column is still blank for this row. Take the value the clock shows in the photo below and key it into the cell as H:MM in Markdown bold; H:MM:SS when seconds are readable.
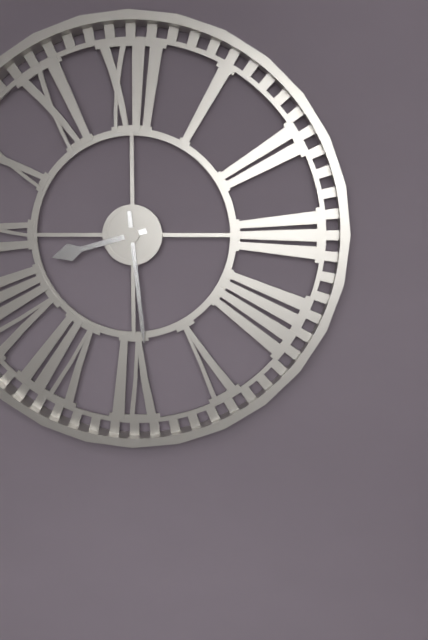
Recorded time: **8:29**
